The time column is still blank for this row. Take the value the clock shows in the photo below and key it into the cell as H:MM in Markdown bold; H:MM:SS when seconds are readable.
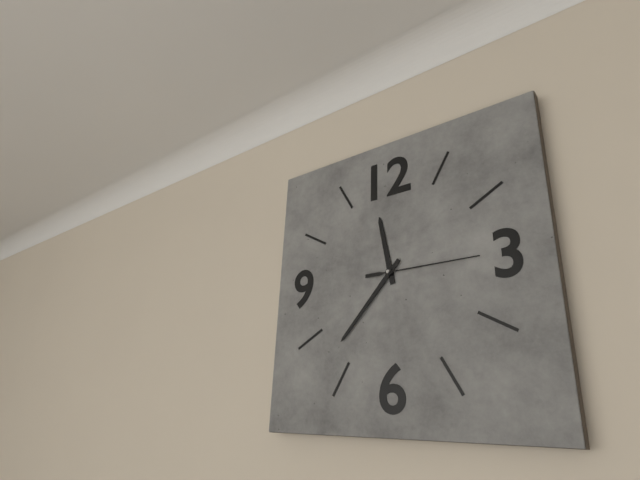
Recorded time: **11:37:15**
